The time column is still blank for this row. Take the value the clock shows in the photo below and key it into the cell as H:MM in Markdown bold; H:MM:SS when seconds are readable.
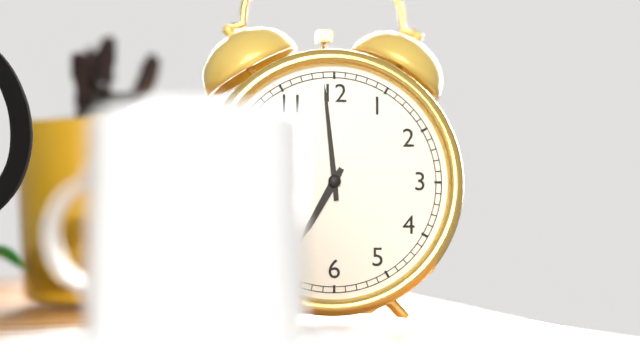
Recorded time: **6:59**
